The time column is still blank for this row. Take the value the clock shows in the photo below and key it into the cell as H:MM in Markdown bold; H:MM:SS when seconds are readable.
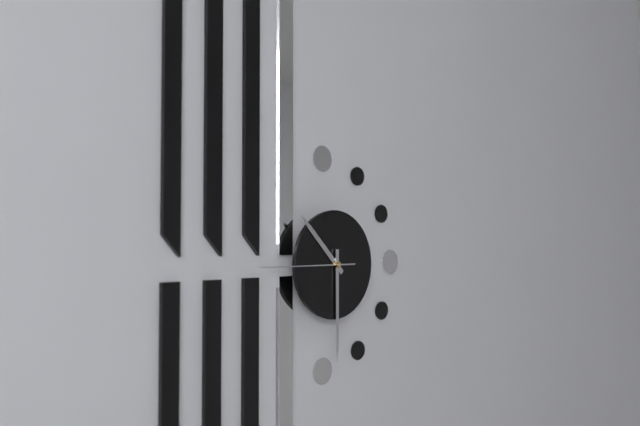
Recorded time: **10:30:45**
